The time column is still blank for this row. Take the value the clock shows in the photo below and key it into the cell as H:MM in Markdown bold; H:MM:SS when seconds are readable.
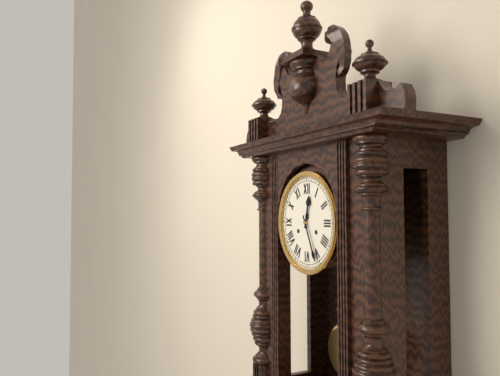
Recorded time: **12:26**
